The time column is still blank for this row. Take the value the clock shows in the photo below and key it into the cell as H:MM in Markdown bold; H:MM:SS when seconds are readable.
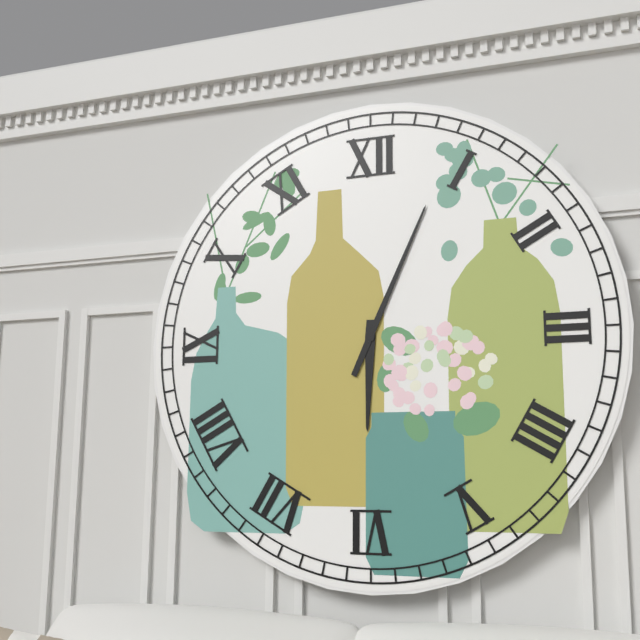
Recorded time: **6:04**
